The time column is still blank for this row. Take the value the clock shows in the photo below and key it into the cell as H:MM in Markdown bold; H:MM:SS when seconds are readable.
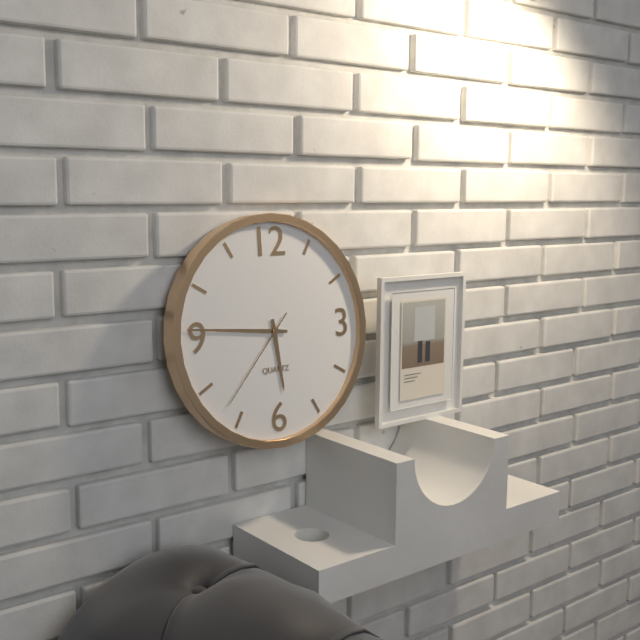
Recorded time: **5:46:37**
